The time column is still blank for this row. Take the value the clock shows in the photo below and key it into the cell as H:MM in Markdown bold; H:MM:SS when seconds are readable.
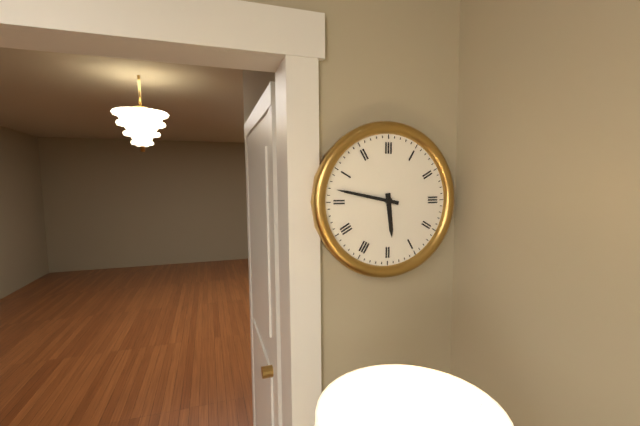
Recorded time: **5:47**
